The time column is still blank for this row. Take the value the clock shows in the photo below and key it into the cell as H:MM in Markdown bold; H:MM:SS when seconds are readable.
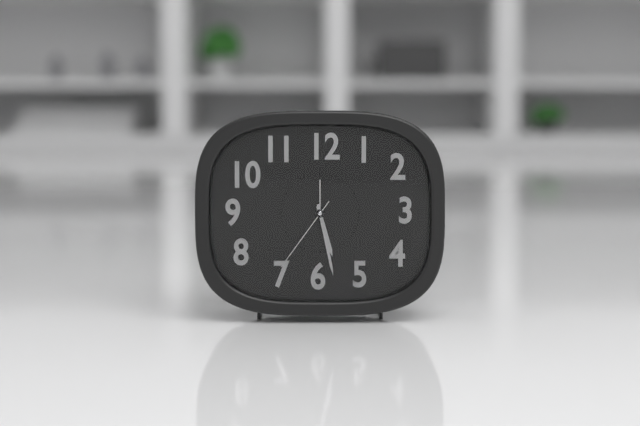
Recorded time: **5:28:36**
